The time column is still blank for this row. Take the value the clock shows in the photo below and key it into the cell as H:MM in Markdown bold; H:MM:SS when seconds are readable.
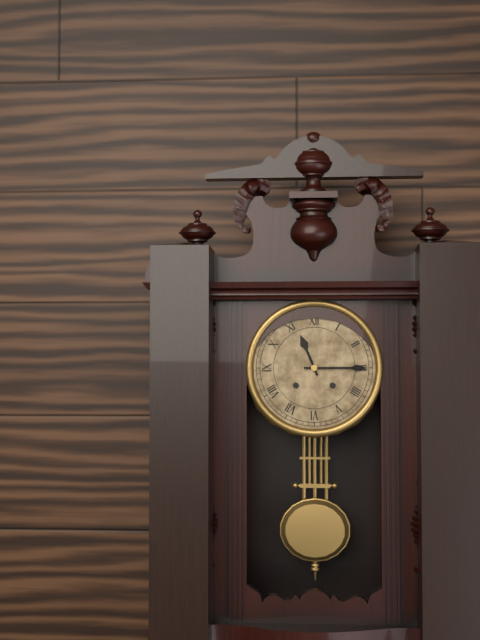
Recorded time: **11:15**
